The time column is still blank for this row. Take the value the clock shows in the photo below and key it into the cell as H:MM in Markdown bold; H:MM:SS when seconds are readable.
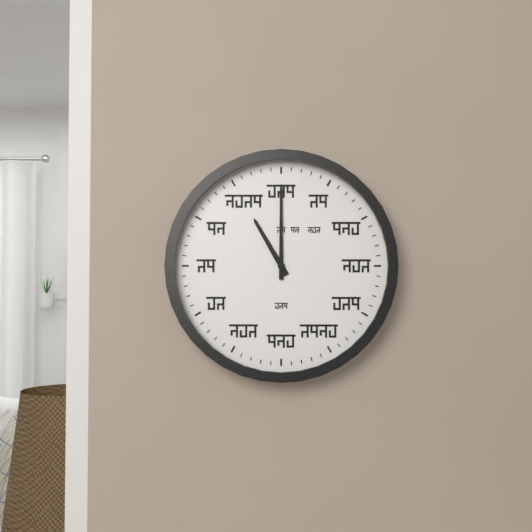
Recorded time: **11:00**
